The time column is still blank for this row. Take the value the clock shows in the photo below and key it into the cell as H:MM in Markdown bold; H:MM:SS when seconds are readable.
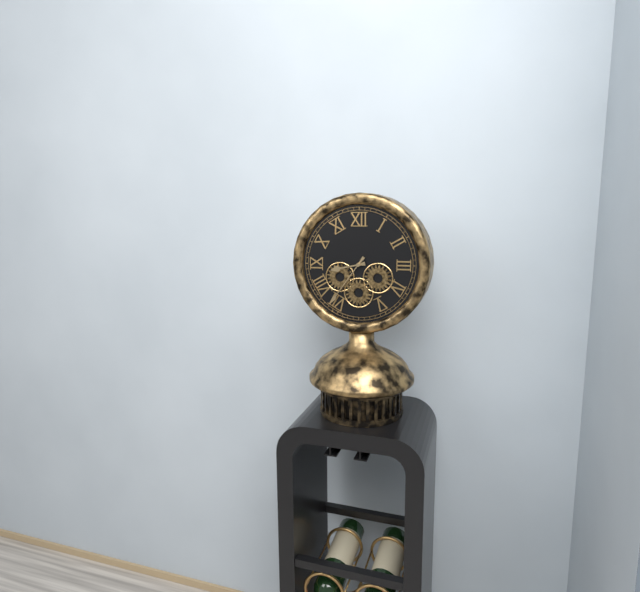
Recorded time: **8:36**
